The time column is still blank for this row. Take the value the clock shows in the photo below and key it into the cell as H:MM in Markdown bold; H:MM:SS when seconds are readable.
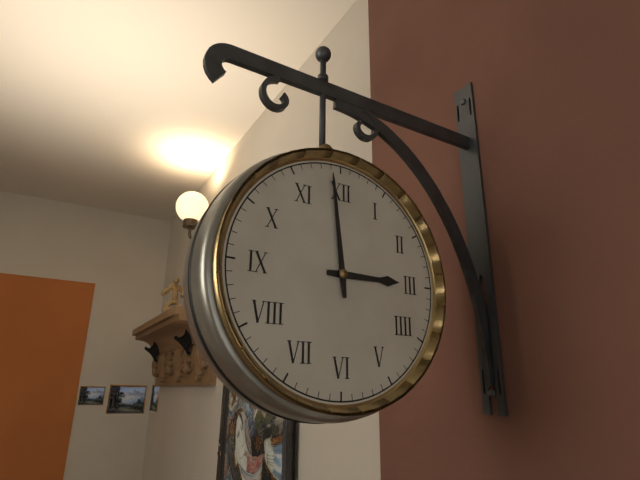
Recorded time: **2:59**
